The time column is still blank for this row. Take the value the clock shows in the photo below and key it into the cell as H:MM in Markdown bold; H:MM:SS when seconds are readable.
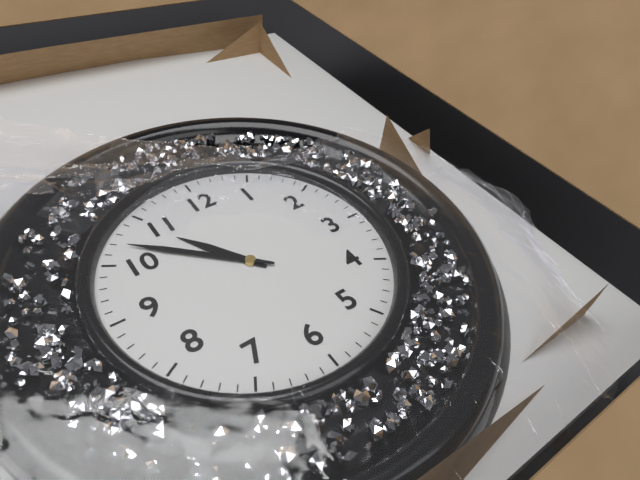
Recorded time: **10:52**
